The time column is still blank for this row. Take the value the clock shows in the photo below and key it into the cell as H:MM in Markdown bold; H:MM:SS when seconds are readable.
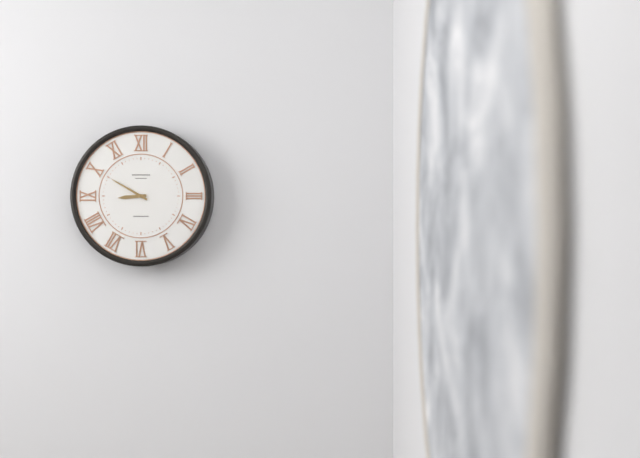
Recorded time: **8:50**
